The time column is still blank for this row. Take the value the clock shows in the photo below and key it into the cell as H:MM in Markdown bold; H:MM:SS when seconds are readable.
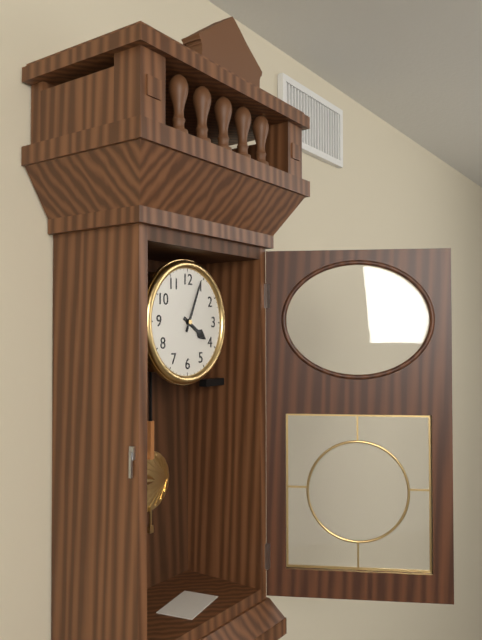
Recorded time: **4:04**
